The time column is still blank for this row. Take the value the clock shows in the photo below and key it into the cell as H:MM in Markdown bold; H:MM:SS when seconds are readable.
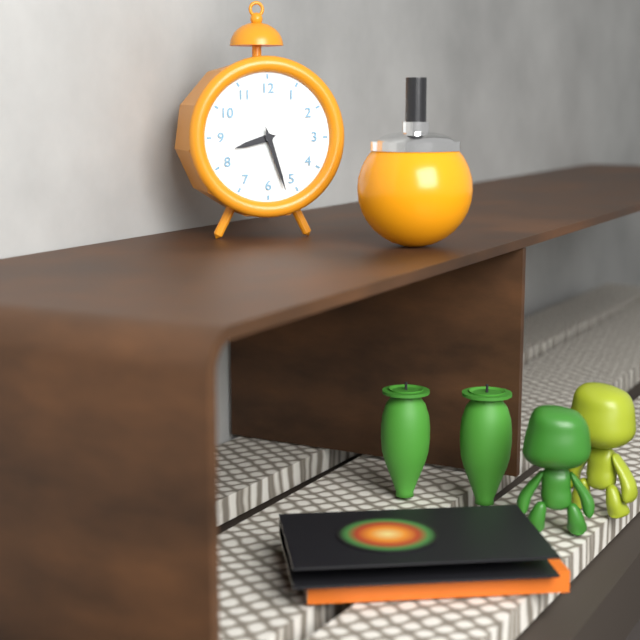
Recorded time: **8:27**
